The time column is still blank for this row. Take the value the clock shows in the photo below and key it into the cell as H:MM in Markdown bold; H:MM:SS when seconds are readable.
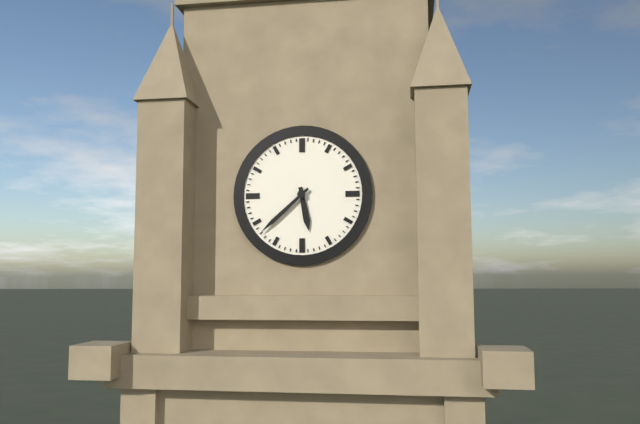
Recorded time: **5:38**
